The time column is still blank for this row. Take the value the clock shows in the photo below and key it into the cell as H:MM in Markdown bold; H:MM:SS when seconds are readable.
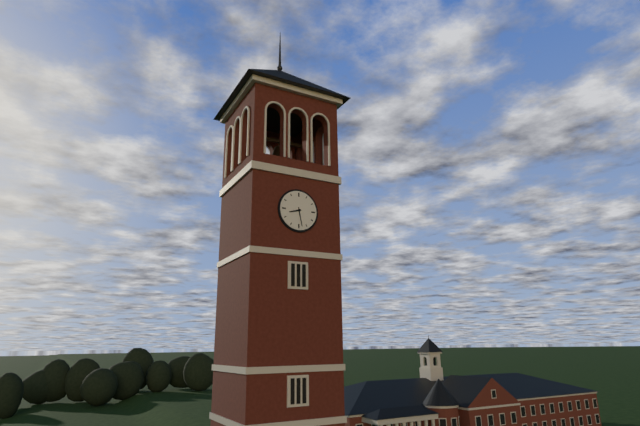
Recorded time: **8:28**
